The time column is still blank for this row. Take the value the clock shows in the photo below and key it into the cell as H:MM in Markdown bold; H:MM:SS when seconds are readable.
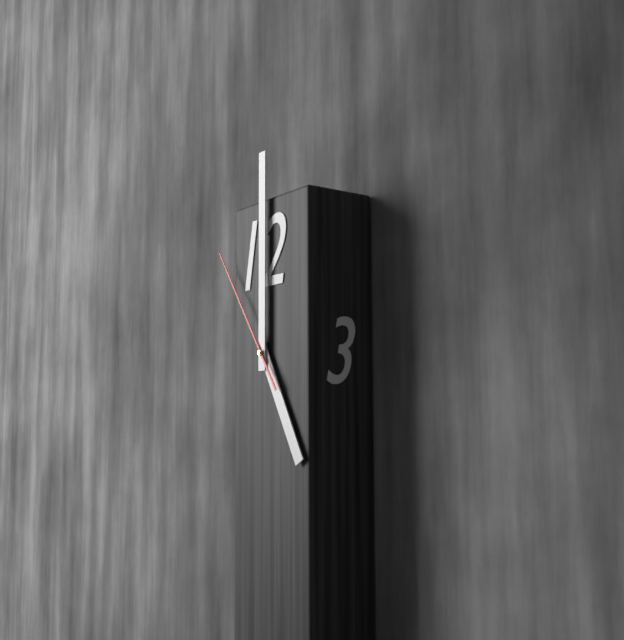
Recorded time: **5:00:54**
